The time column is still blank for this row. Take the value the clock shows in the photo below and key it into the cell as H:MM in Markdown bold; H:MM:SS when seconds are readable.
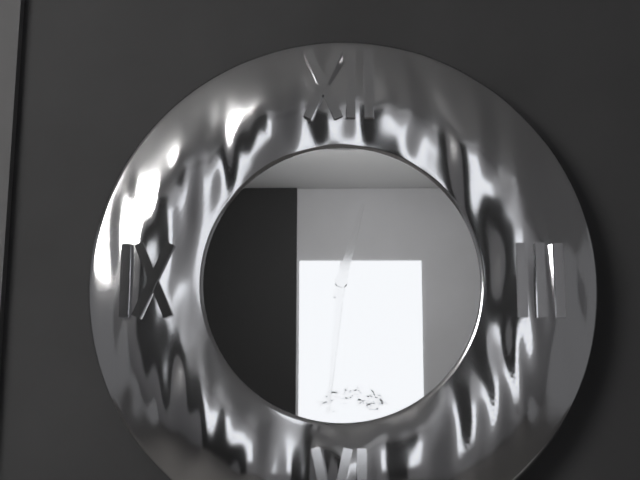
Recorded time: **12:31**
